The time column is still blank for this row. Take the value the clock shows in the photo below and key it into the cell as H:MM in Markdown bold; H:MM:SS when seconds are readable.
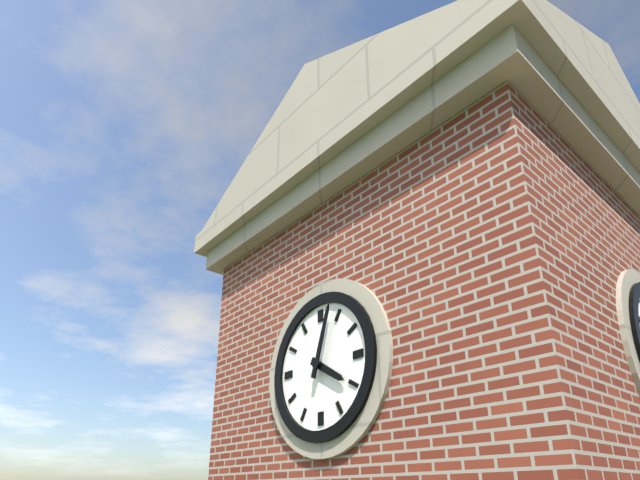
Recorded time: **4:03**
